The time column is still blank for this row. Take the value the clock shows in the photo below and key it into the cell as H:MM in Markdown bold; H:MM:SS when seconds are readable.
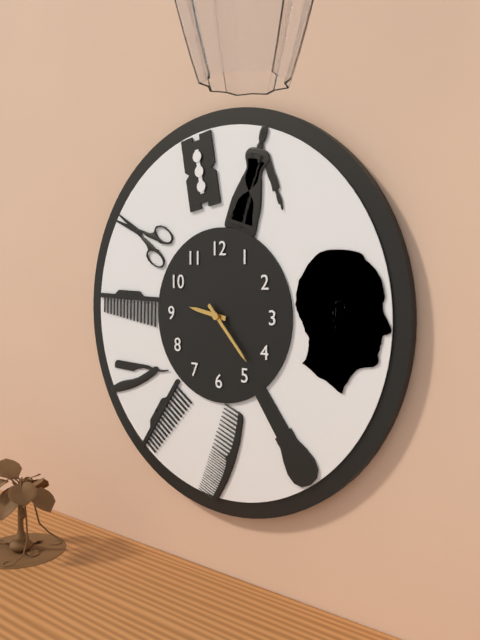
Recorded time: **9:23**
